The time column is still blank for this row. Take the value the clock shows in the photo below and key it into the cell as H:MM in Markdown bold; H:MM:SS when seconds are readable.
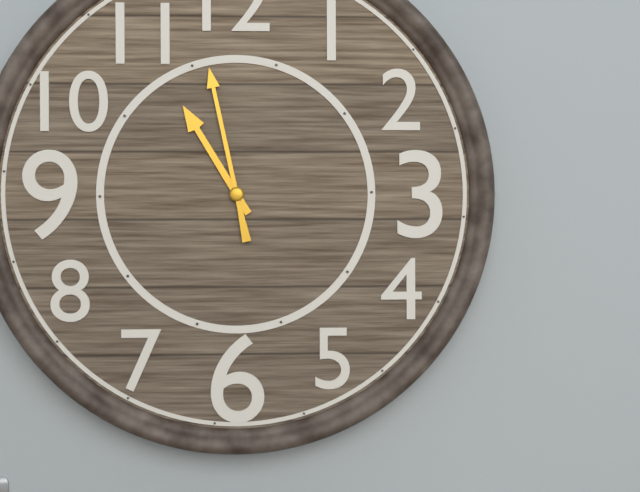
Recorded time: **10:58**
